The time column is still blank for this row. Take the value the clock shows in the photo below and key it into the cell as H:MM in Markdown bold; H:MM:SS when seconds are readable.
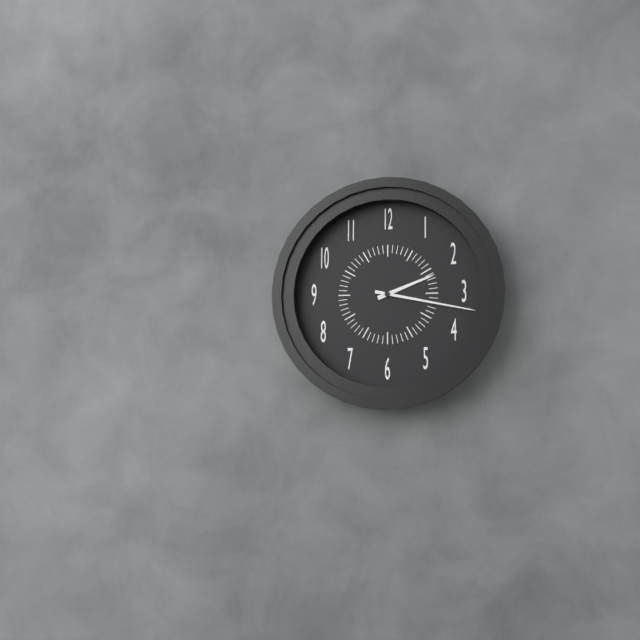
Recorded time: **2:17**
